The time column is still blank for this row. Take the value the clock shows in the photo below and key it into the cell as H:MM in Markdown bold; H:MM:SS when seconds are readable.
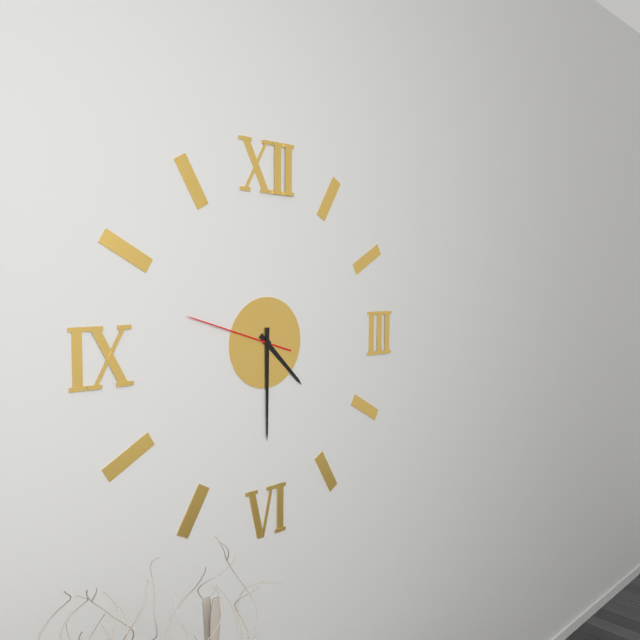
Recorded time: **4:30:48**
